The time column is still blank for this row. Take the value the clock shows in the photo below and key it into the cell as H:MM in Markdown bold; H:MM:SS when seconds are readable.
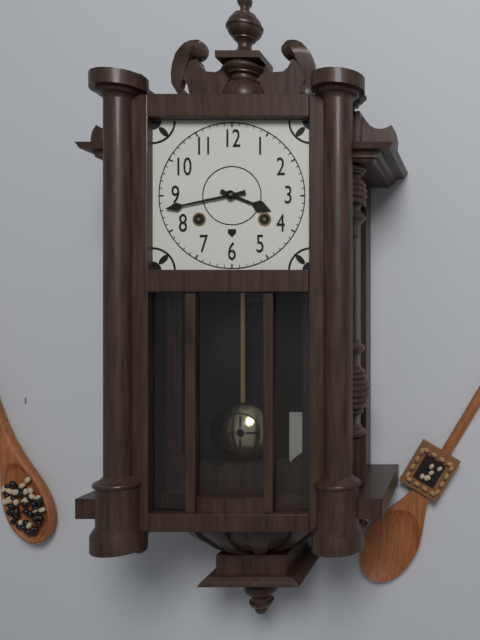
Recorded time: **3:43**
